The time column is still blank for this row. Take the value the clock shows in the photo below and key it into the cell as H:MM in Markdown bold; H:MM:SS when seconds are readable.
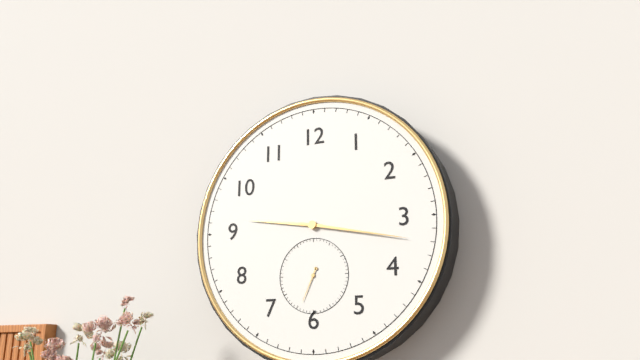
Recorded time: **9:17**
